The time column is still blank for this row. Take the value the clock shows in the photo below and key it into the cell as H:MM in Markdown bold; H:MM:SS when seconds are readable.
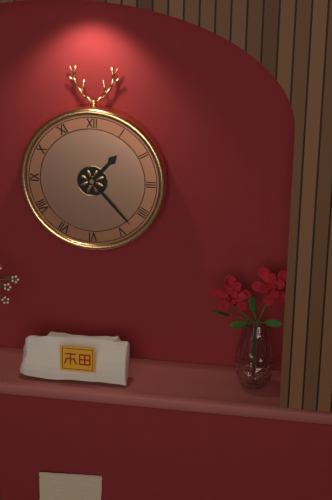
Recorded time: **1:23**
